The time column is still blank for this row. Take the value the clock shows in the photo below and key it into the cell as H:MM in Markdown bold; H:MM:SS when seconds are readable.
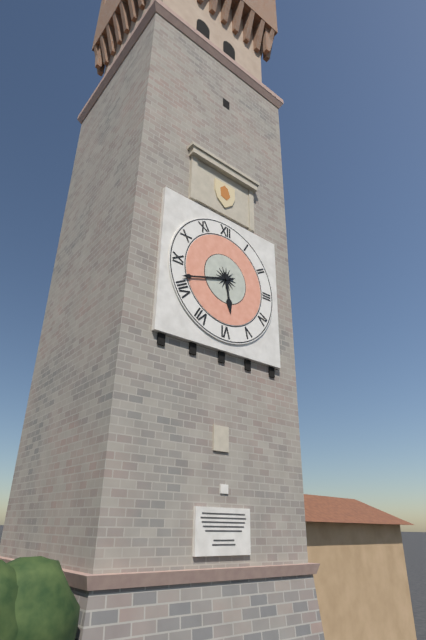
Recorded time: **5:42**
